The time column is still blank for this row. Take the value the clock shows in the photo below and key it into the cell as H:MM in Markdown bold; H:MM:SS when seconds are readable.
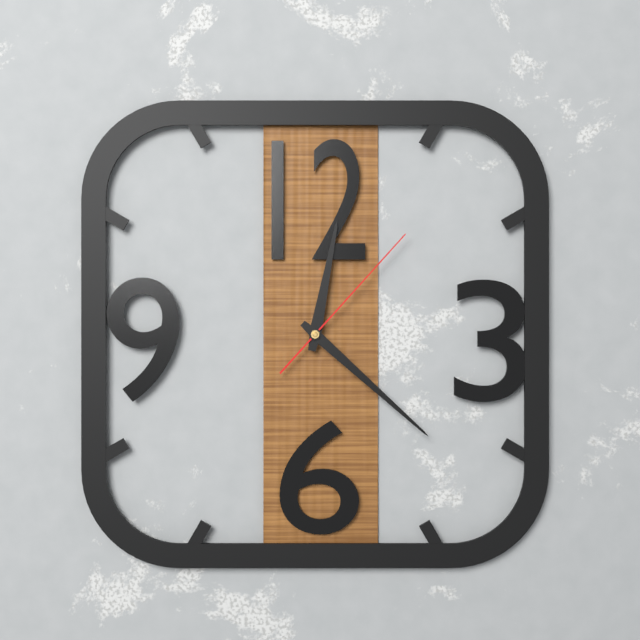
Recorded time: **12:22:07**
